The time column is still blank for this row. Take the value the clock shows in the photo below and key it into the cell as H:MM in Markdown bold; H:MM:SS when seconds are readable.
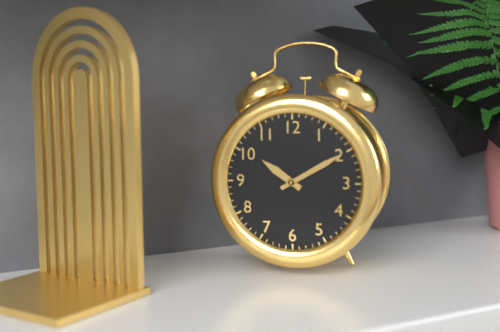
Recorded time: **10:10**
